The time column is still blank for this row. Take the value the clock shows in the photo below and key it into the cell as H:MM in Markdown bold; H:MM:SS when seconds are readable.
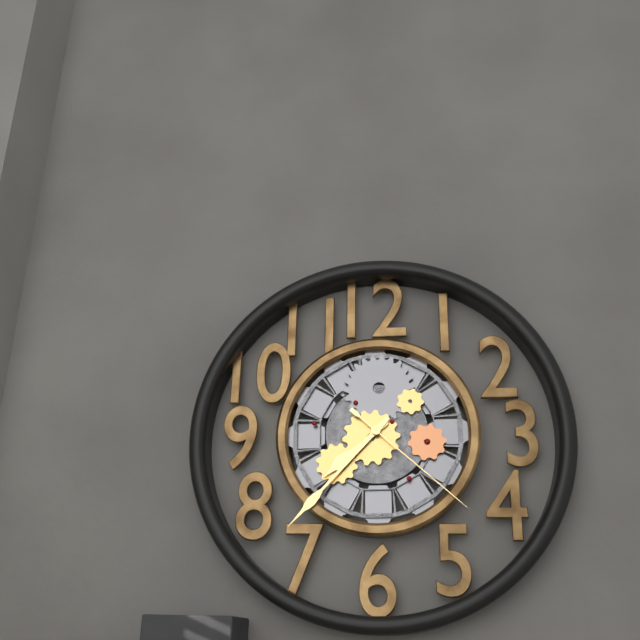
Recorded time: **7:37:22**
